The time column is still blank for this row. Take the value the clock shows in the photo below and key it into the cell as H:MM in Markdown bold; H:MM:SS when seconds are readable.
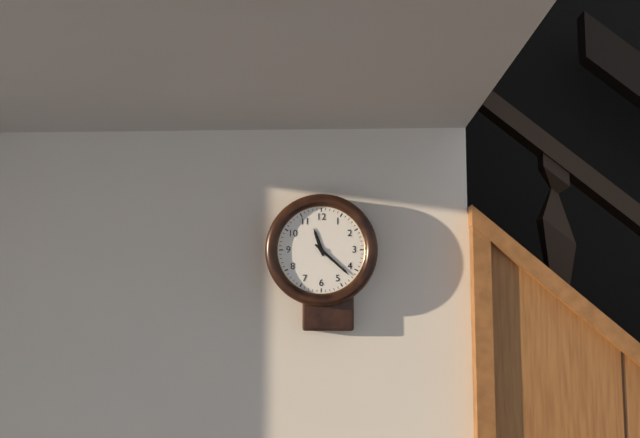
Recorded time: **11:22**
